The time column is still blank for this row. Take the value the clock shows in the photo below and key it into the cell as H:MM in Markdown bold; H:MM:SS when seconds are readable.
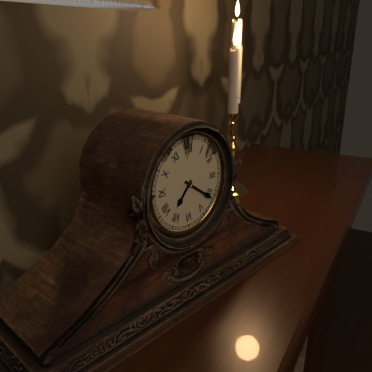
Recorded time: **7:21**
